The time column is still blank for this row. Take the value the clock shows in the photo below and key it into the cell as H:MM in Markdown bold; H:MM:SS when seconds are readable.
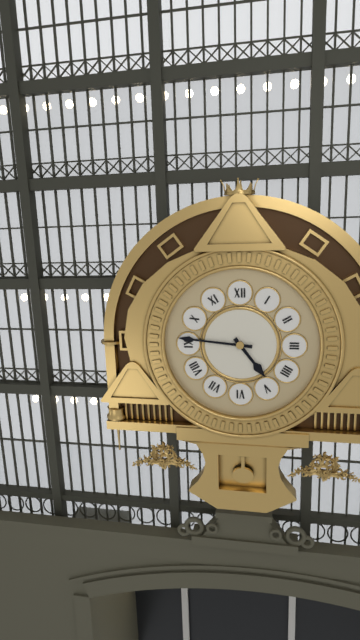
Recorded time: **4:46**
